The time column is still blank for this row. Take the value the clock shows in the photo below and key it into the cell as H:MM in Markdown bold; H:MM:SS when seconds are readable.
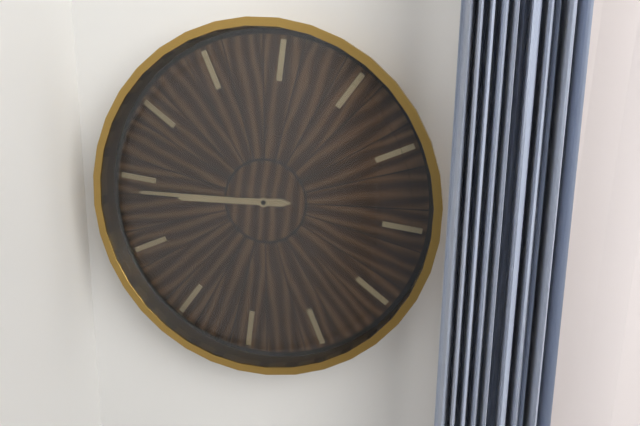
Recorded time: **8:44**
